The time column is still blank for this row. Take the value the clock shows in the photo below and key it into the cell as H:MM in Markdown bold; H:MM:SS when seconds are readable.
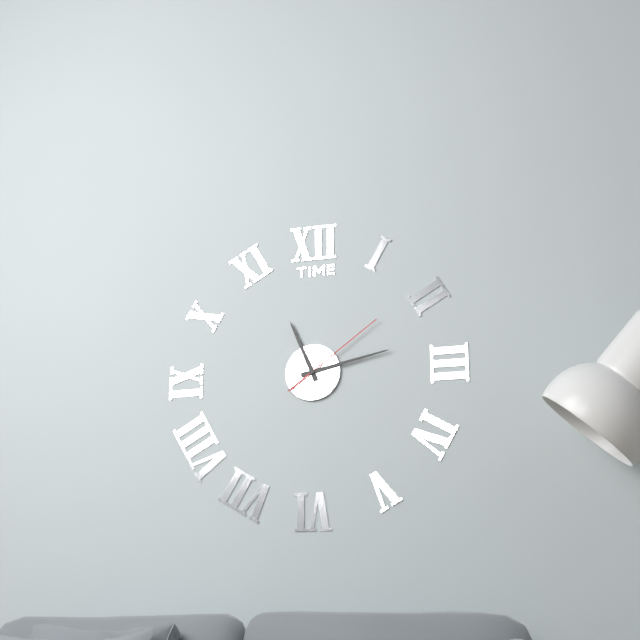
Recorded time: **11:13:09**
